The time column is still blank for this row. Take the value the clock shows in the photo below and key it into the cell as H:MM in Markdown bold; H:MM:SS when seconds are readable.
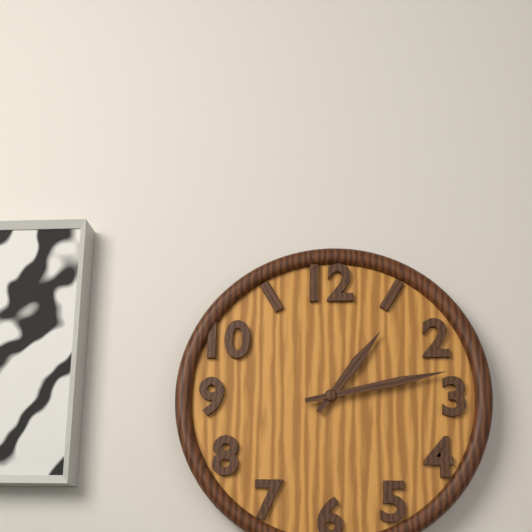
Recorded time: **1:13**
